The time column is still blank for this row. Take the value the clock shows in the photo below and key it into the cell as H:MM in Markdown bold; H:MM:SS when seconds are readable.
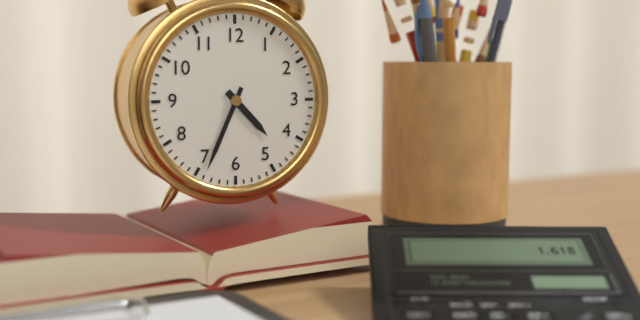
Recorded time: **4:34**
